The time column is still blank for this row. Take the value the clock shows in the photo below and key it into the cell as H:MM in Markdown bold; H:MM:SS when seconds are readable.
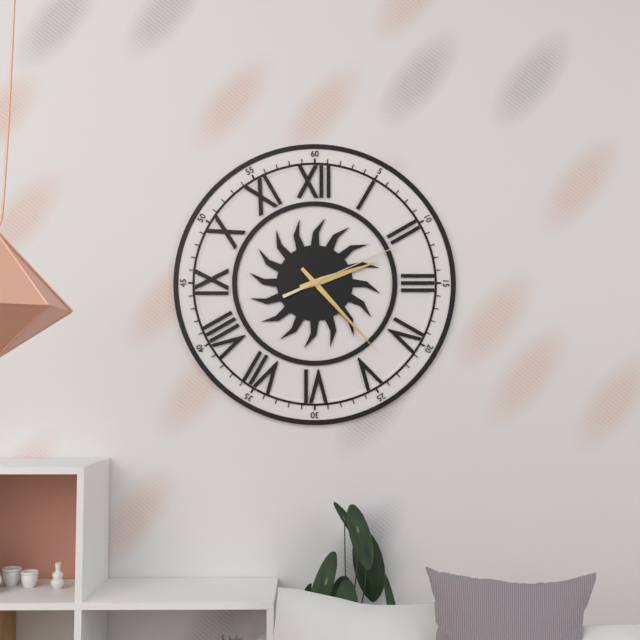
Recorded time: **2:23:11**
